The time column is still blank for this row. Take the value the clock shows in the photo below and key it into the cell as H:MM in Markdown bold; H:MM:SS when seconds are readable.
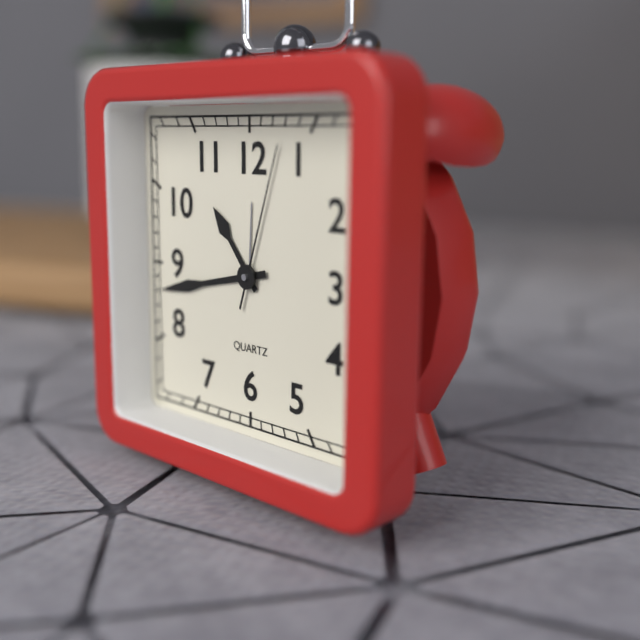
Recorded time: **10:43:03**
